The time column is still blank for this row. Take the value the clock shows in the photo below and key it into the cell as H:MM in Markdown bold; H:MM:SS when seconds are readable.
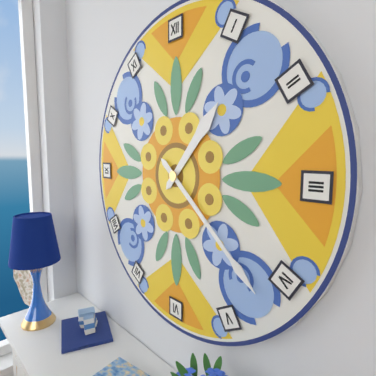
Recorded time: **1:22**
